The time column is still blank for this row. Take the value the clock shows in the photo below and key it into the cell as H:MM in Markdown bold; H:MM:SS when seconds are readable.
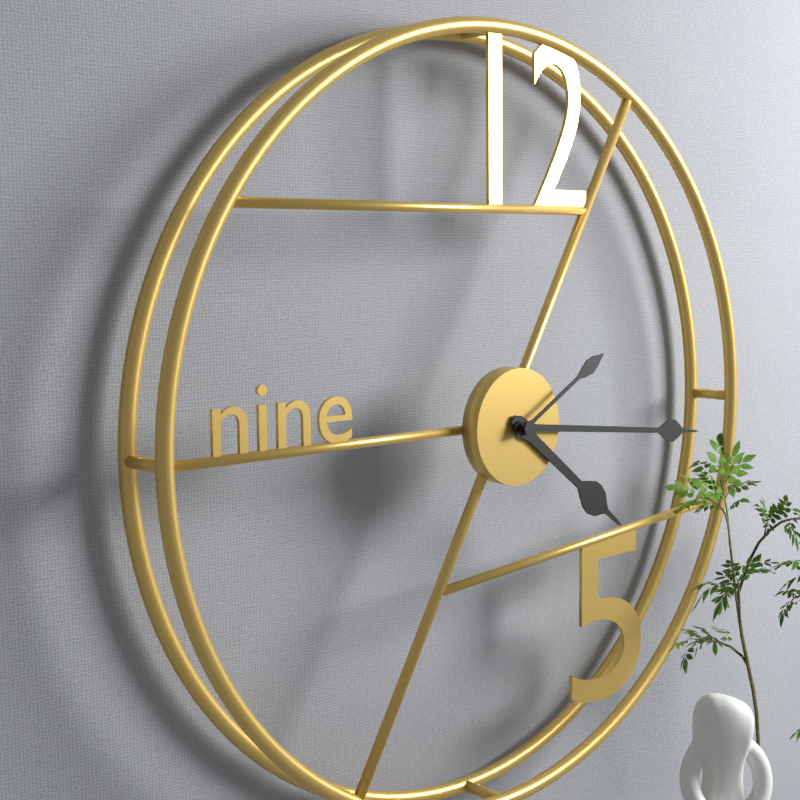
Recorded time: **4:16:10**
